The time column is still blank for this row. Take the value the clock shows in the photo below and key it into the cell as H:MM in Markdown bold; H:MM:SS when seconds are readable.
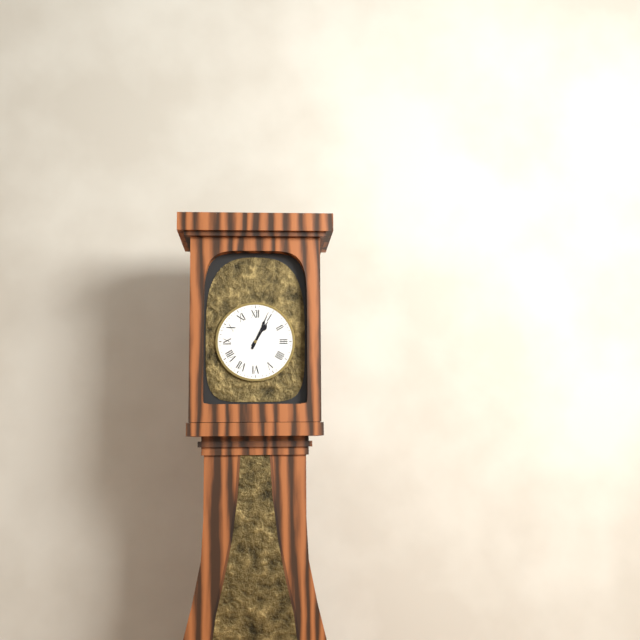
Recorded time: **1:04**
